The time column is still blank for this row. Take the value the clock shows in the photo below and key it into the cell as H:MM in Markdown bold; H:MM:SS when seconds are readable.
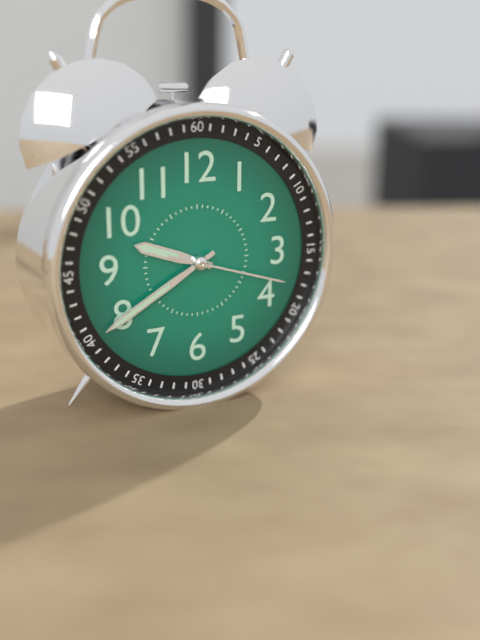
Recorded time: **9:40:18**
